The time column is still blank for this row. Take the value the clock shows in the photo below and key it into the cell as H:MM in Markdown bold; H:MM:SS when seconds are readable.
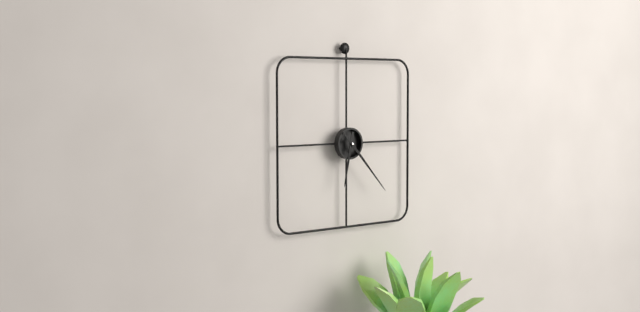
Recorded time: **6:23**
